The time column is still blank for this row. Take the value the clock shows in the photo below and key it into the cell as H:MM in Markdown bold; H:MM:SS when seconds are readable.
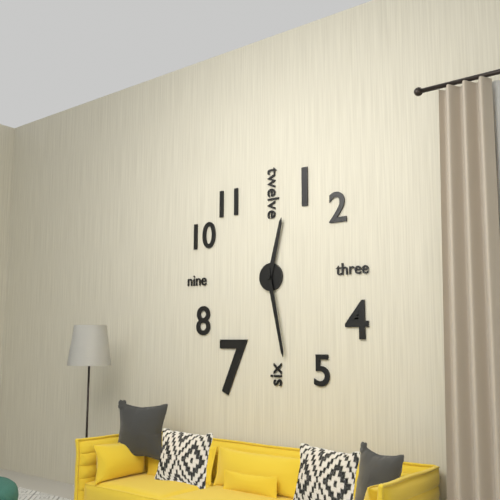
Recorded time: **12:28**
